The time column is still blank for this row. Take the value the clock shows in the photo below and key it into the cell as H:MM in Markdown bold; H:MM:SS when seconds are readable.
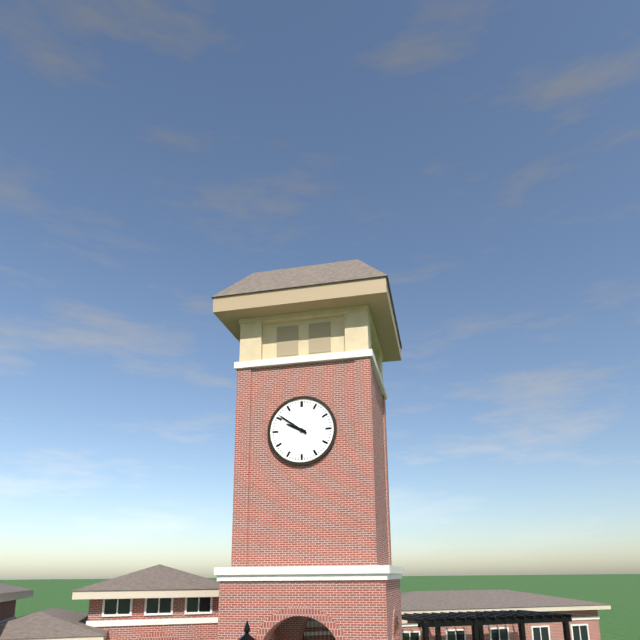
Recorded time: **9:51**
